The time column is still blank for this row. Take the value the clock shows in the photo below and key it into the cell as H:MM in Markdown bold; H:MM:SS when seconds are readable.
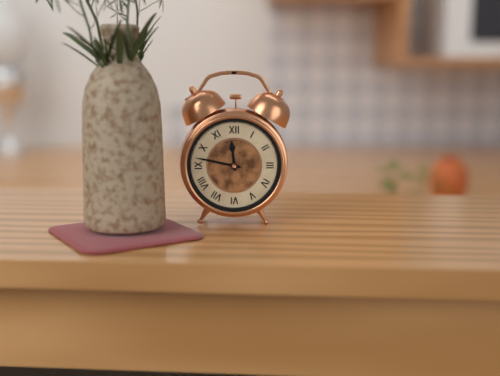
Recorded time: **11:47**
